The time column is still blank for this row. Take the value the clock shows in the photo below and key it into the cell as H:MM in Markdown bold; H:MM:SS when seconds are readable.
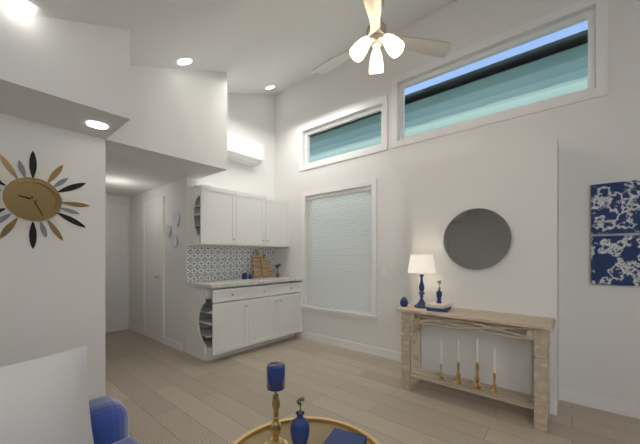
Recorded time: **9:26**
